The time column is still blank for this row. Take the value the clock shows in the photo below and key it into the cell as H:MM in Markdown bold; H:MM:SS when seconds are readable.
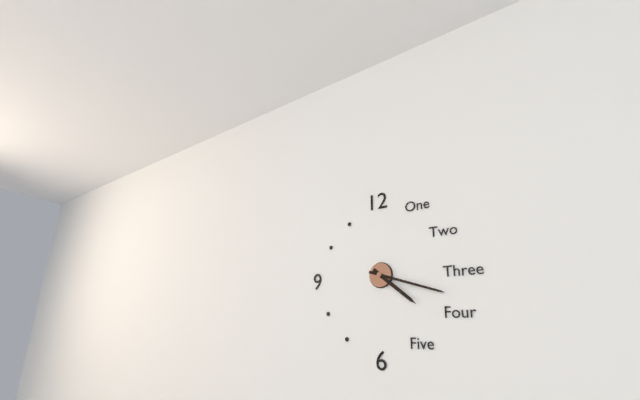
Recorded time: **4:18**
